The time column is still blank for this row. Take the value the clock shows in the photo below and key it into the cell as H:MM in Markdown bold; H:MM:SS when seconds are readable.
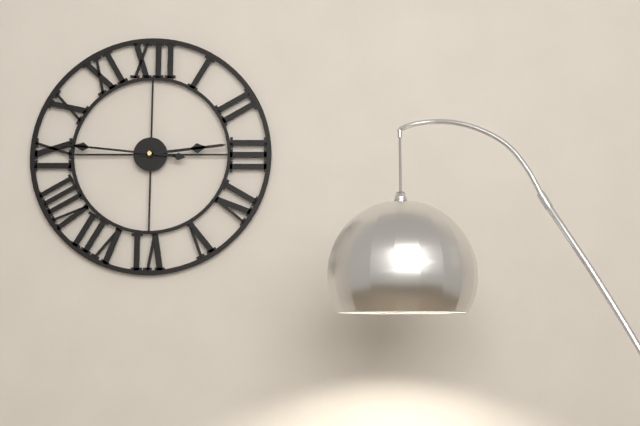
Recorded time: **2:46**
